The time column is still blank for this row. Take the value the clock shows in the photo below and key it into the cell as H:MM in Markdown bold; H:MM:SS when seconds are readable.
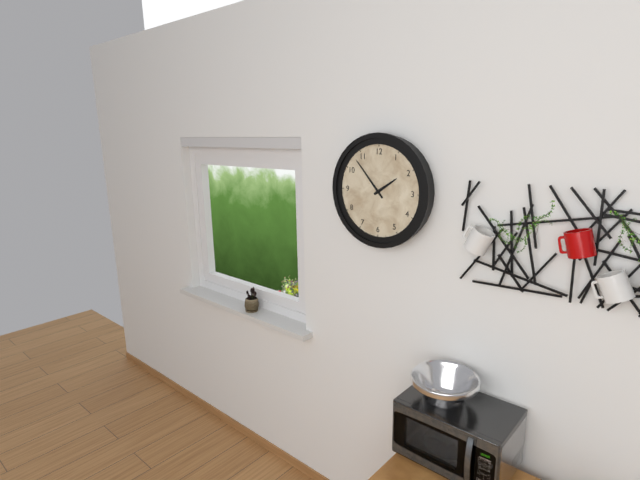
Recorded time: **1:53**
